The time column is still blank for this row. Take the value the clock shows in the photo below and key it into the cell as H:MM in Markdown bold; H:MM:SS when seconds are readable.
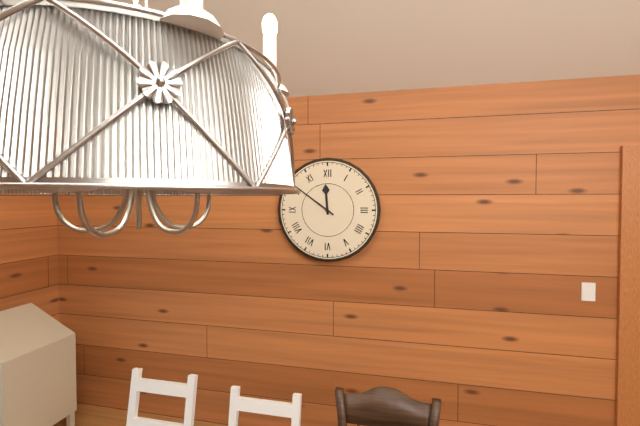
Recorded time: **11:51**
